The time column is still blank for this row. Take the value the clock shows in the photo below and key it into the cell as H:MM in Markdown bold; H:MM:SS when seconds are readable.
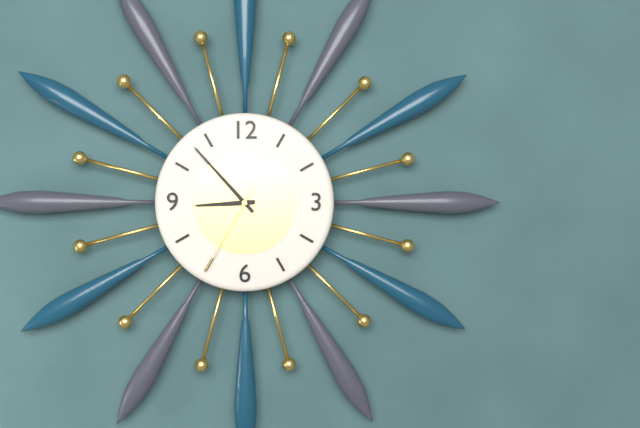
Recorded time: **8:53:35**
